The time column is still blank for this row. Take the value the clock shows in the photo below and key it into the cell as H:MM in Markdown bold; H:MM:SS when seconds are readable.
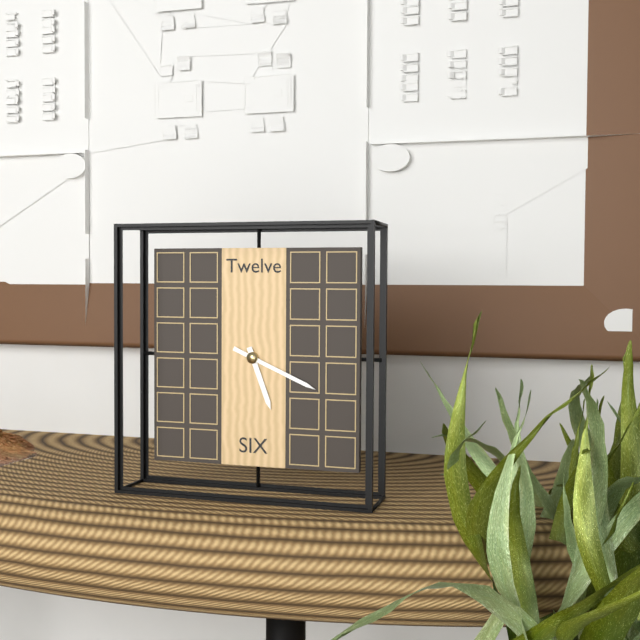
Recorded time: **5:19**
